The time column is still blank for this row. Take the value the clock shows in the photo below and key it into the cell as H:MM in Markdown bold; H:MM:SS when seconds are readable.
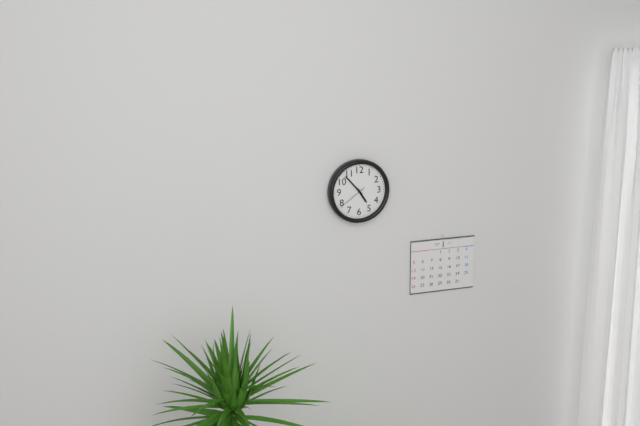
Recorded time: **4:53**
